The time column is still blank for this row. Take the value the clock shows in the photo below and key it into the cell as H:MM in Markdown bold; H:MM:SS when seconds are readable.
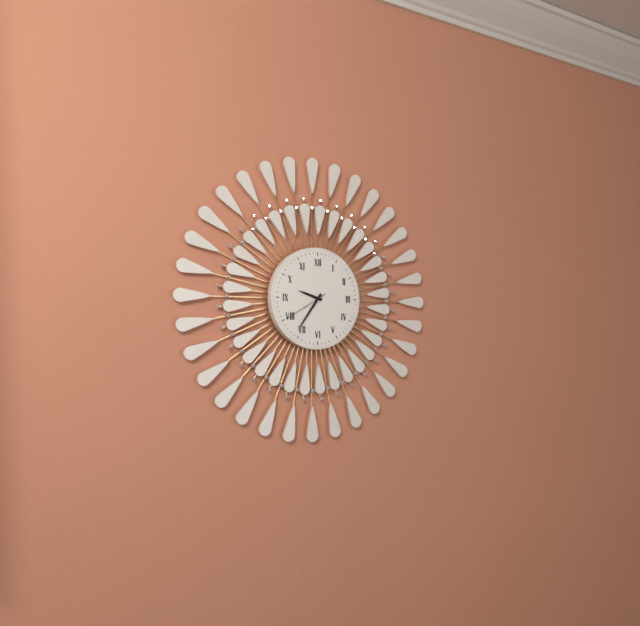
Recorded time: **9:36**
